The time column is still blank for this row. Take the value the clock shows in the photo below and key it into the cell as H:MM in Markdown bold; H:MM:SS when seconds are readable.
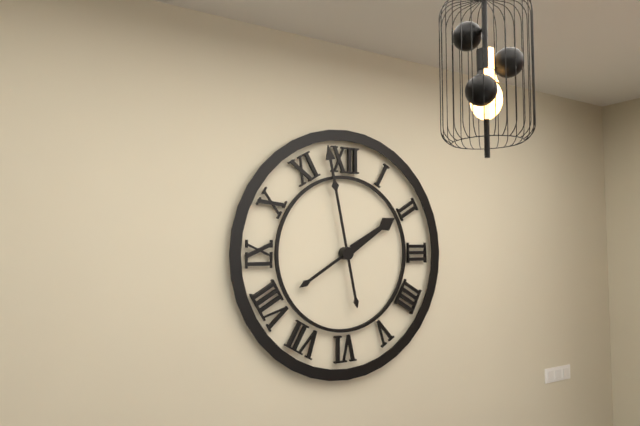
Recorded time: **1:58**
